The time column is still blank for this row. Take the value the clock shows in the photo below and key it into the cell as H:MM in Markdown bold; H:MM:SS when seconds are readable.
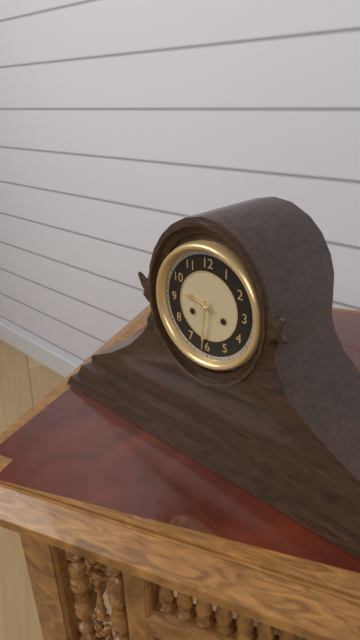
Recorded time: **9:31**
